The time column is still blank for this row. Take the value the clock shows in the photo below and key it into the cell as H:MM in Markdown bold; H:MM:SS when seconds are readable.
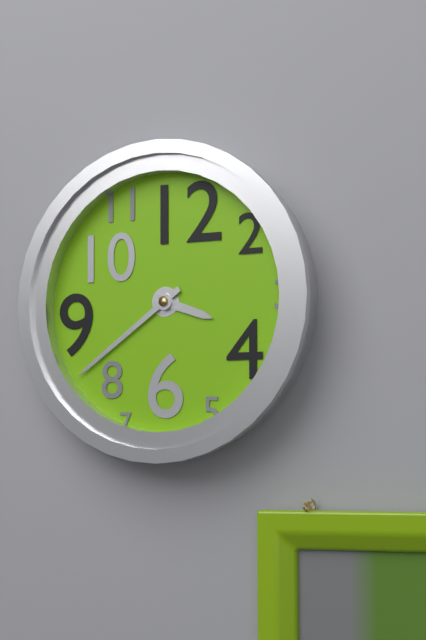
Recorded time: **3:39**
